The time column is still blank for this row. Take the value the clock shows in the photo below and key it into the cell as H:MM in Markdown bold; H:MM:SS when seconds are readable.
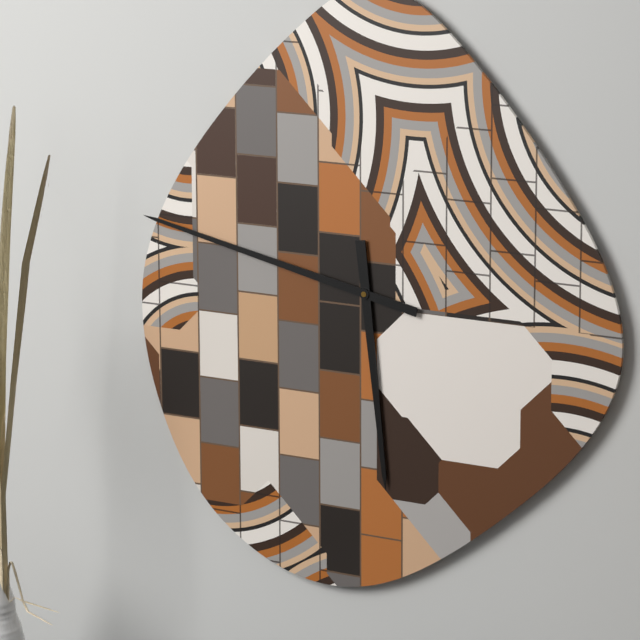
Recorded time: **5:47**
